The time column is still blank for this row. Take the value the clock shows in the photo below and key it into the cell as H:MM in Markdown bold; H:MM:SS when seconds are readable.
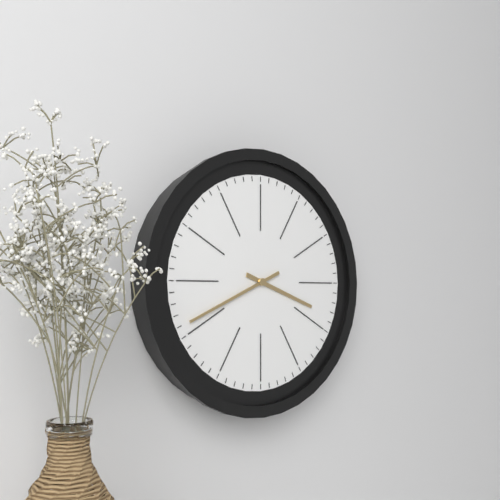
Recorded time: **3:41**
